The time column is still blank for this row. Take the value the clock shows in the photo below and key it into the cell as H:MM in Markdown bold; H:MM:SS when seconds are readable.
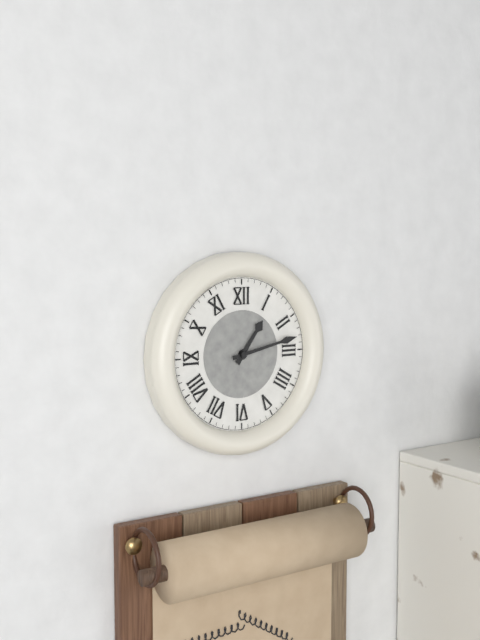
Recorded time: **1:13**
